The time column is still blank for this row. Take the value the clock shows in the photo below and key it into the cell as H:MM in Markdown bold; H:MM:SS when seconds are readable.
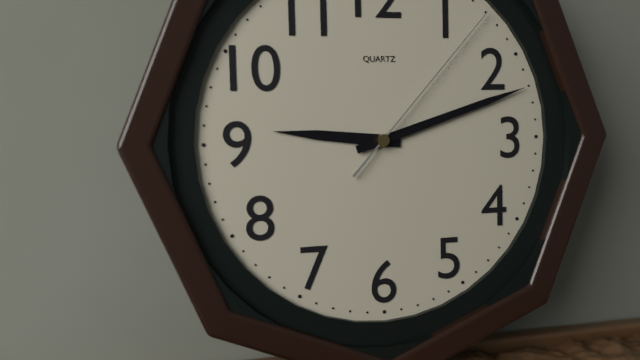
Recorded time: **9:12:07**
